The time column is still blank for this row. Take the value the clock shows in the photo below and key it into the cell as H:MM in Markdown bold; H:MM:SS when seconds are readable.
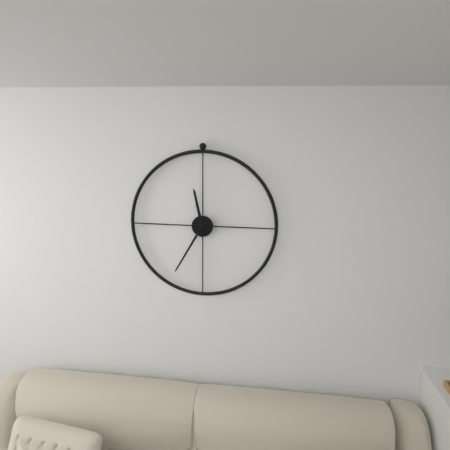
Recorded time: **11:35**
